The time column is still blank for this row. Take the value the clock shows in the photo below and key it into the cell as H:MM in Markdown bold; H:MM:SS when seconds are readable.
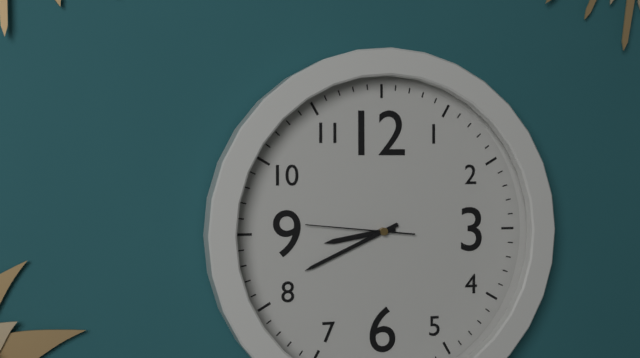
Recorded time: **8:41:46**
